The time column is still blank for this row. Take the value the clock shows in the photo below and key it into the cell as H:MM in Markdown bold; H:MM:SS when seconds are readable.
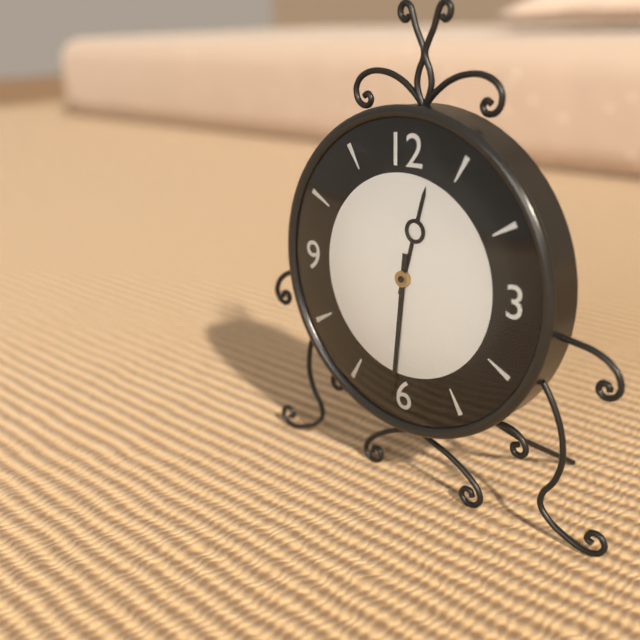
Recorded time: **12:31**
